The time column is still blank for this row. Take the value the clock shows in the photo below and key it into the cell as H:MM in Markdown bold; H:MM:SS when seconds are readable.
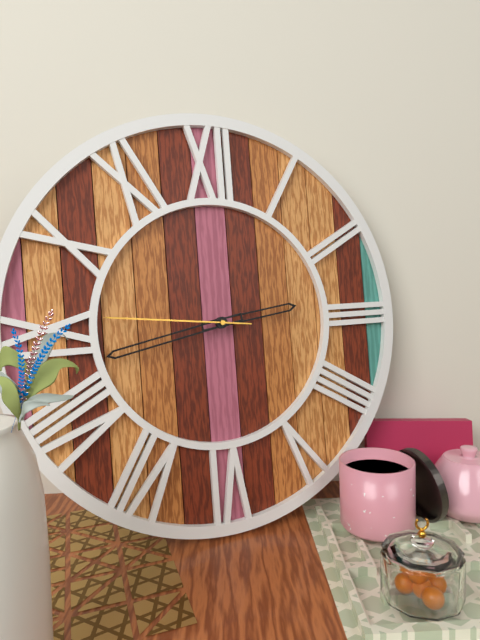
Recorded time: **2:43:46**
